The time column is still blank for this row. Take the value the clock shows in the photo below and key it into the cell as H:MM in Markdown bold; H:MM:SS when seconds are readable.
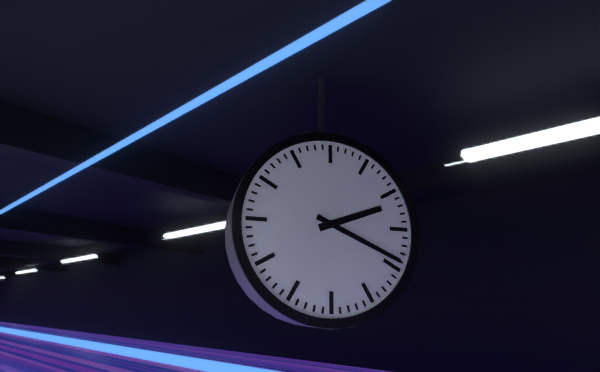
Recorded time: **2:19**
